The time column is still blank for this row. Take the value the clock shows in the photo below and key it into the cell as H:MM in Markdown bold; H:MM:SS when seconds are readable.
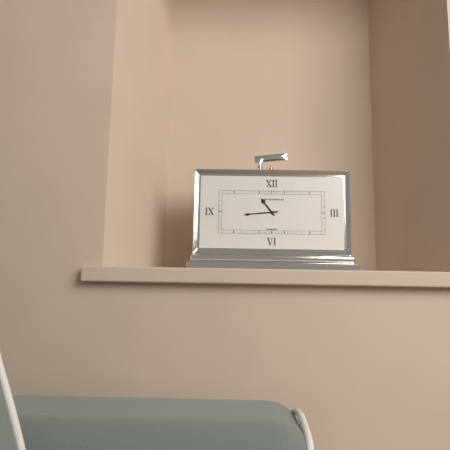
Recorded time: **10:44**
